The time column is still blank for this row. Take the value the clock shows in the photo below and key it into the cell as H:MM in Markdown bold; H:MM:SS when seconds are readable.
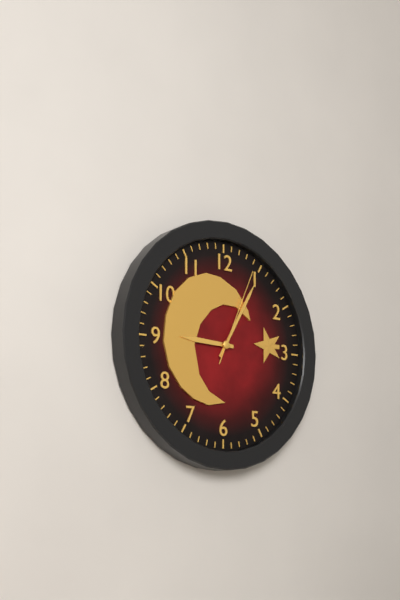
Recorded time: **9:05:04**
